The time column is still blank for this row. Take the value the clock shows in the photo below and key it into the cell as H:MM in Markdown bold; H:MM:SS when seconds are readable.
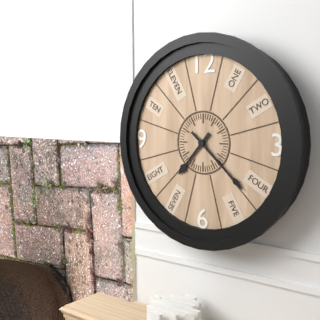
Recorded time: **7:22**
